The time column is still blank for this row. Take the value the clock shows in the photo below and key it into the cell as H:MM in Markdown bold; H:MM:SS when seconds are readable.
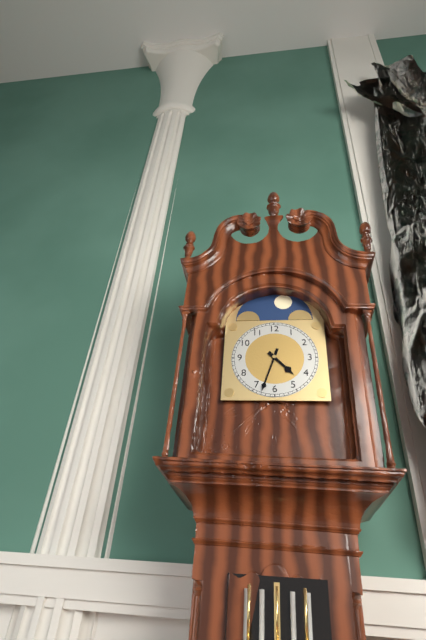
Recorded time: **4:33**
